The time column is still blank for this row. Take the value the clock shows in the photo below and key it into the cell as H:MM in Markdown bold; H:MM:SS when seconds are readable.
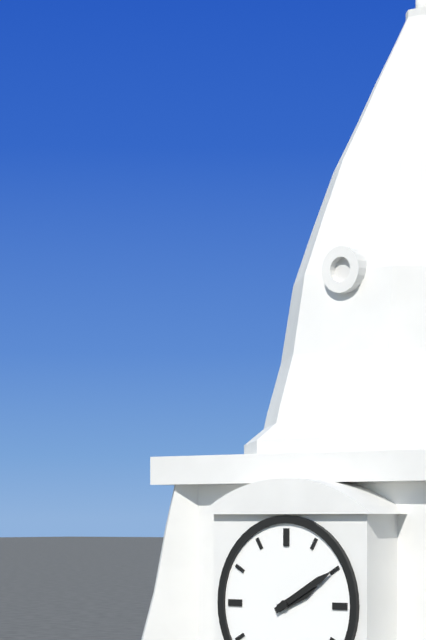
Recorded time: **2:10**
